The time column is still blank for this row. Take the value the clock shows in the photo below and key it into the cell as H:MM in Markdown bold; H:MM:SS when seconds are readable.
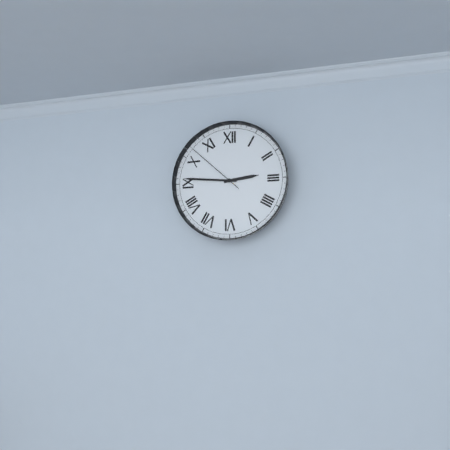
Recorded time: **2:46:52**
